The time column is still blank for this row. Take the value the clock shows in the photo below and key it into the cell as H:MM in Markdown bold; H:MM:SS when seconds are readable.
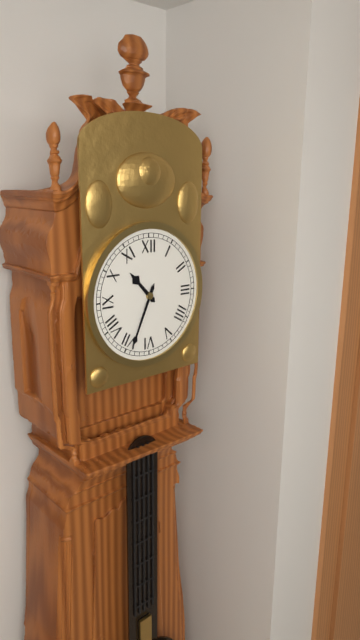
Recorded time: **10:34**
